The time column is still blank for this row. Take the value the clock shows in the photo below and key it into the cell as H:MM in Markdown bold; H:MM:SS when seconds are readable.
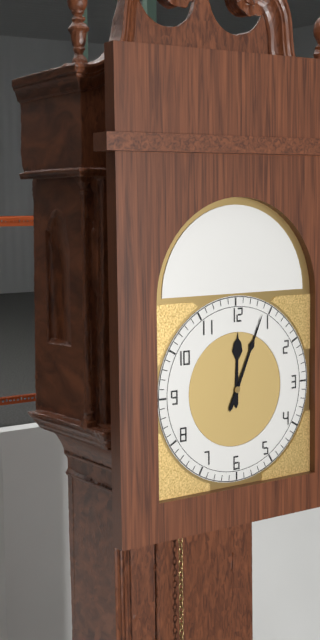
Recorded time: **12:04**
